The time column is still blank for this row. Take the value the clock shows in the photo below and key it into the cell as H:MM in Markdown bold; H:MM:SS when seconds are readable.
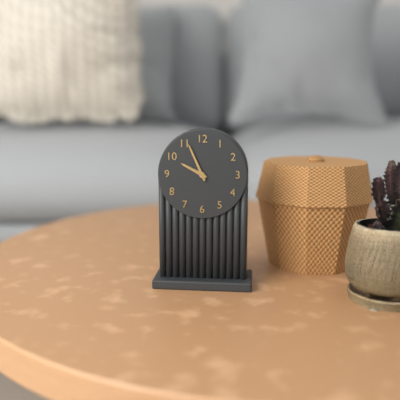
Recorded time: **9:56**
